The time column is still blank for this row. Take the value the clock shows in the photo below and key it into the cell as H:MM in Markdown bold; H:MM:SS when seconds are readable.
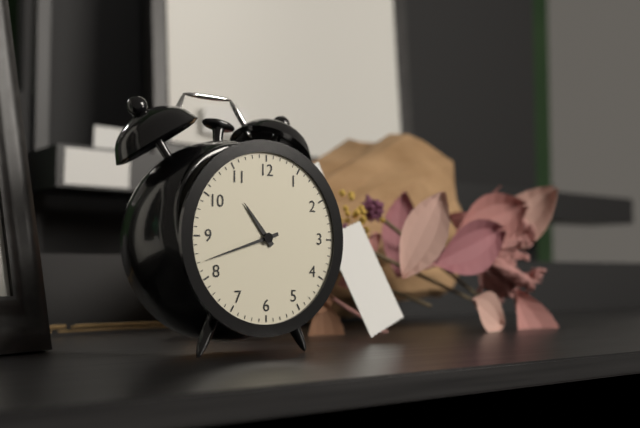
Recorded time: **10:42**
